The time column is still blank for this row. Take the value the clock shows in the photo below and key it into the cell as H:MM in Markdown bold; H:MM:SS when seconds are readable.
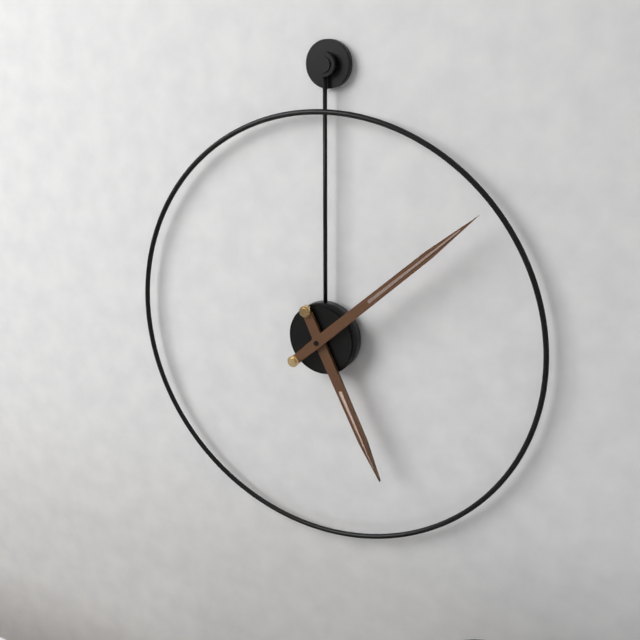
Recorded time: **5:08**
